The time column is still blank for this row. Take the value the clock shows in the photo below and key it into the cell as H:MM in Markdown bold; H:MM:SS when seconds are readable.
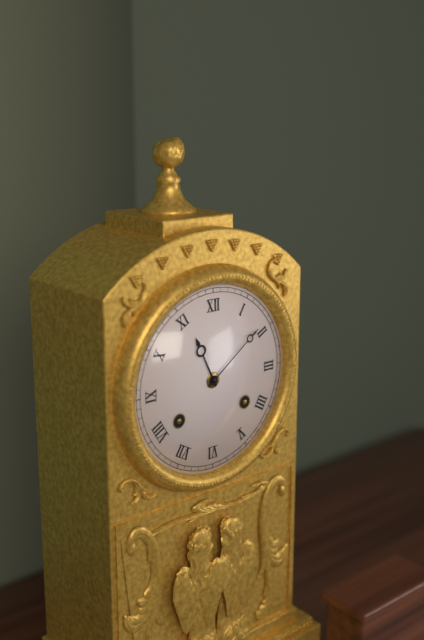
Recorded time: **11:09**
